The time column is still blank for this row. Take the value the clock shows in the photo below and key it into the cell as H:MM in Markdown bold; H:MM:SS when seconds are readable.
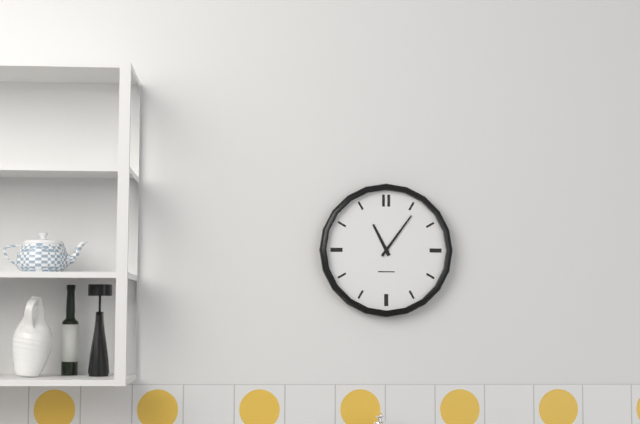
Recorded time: **11:06**
